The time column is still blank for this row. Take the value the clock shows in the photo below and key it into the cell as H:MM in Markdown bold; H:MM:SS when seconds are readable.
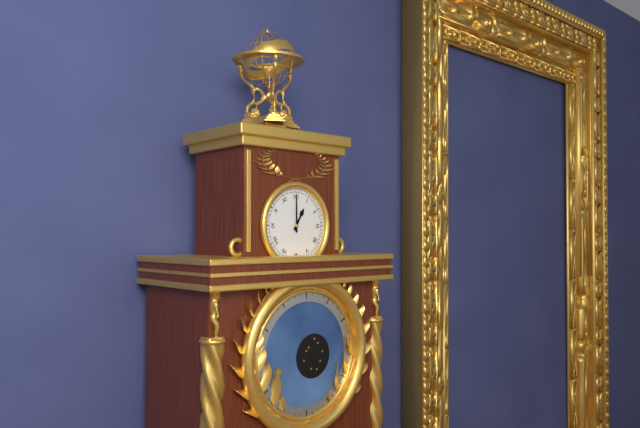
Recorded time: **1:00**
